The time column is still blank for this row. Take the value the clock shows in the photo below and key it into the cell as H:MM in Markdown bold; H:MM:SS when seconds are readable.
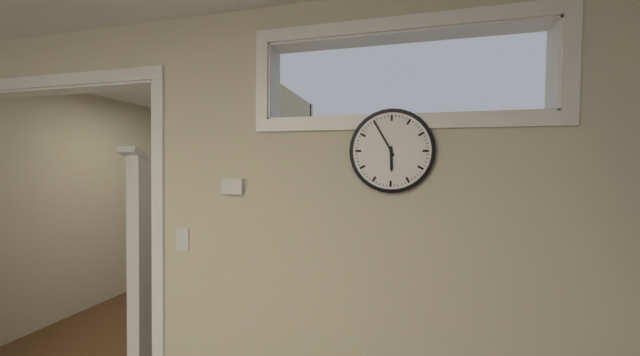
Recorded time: **5:55**
